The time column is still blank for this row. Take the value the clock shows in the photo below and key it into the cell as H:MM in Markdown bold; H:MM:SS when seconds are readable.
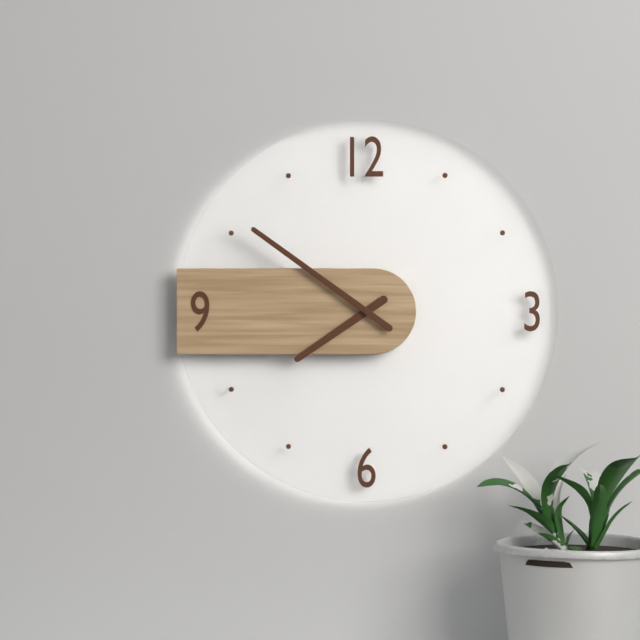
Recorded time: **7:51**
